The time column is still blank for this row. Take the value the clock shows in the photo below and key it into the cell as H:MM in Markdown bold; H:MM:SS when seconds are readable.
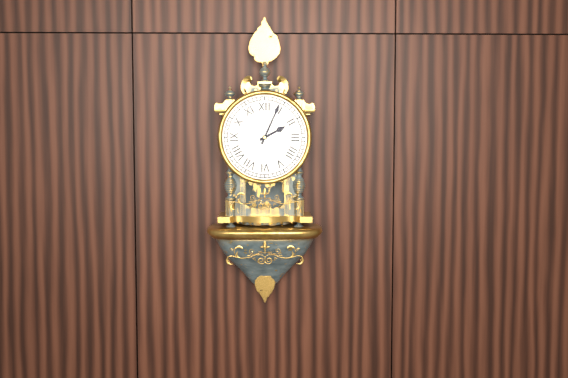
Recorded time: **2:04**
